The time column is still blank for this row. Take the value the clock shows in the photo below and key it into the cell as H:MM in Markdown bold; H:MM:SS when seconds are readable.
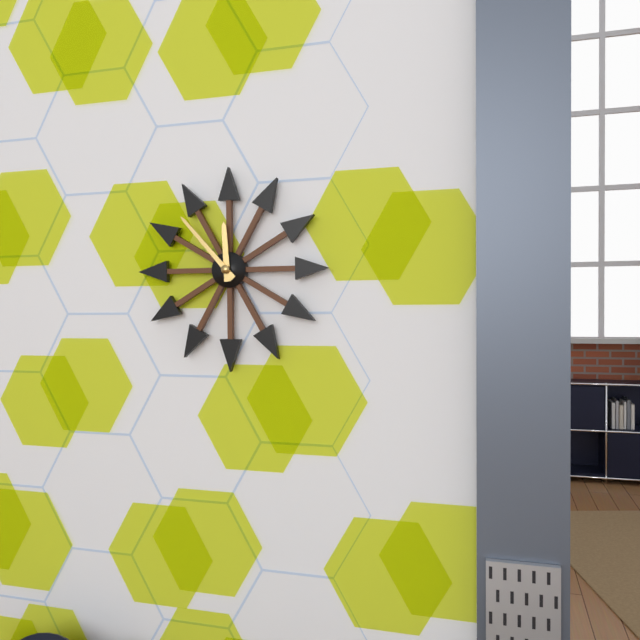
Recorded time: **11:53**
